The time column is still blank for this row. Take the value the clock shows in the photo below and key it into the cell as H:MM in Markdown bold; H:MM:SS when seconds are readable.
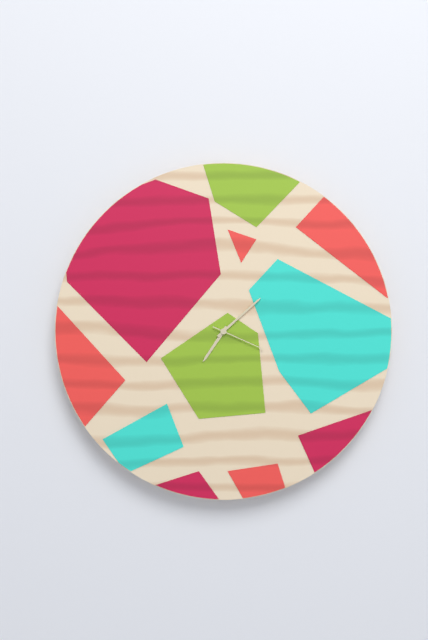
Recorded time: **7:08:19**
